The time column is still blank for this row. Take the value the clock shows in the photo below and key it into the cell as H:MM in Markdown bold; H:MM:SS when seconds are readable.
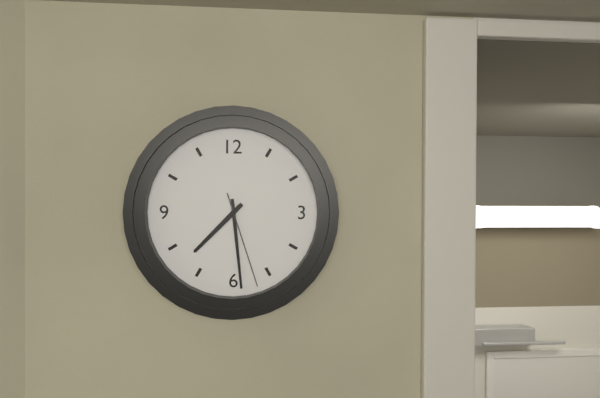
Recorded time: **7:29:27**
